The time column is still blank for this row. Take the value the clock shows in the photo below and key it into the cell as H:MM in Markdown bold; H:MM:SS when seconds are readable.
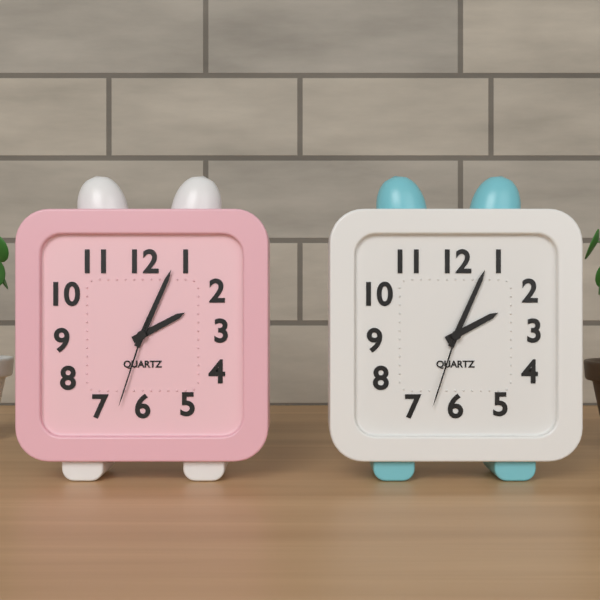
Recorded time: **2:04:33**
